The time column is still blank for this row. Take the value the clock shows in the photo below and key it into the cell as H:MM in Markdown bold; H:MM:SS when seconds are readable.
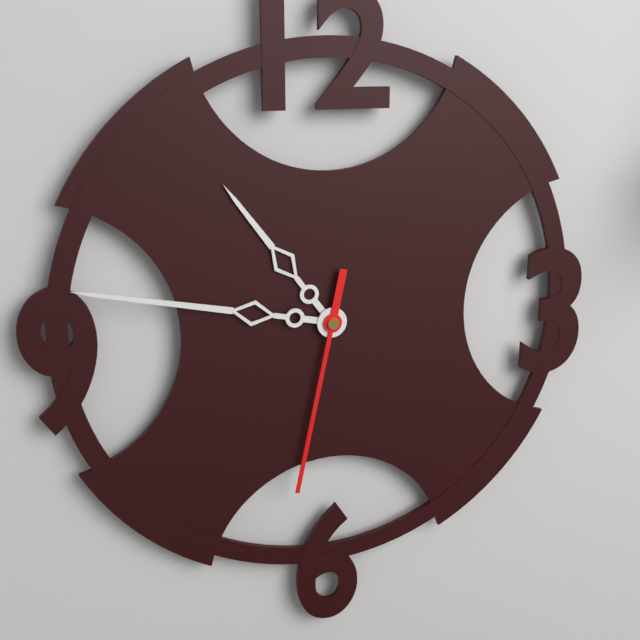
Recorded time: **10:47:32**
